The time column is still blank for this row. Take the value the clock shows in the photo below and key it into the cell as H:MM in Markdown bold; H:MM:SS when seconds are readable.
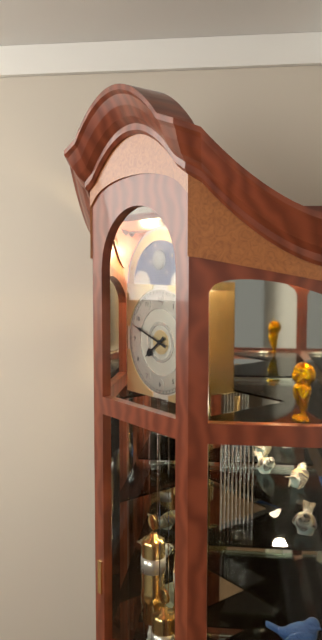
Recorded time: **7:48**
